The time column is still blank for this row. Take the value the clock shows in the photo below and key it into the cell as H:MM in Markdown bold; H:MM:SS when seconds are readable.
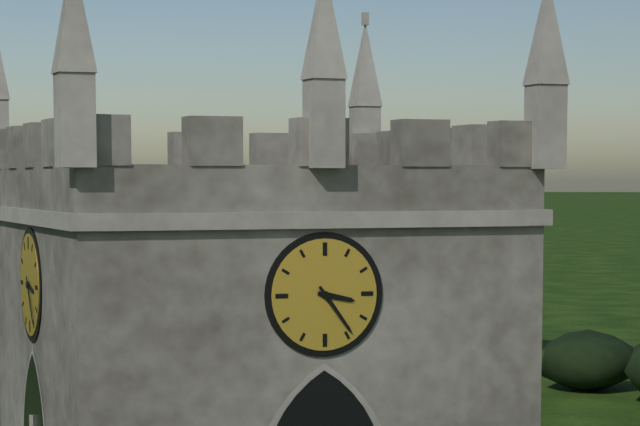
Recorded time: **3:24**
